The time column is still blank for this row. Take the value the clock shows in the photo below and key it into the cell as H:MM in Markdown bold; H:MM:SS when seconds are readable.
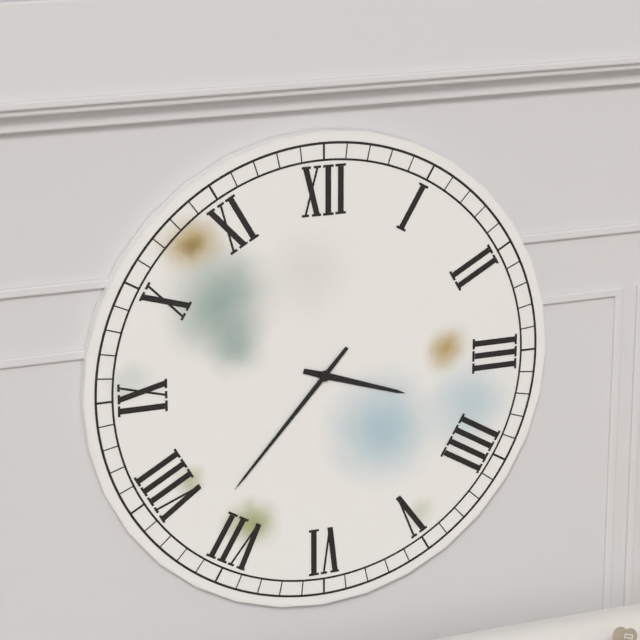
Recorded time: **3:37**
